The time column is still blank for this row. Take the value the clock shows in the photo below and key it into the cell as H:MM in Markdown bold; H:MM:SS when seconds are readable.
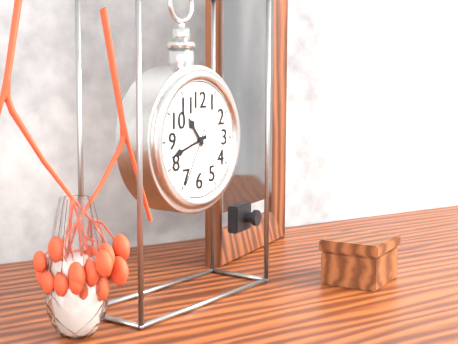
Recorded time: **10:42:35**
